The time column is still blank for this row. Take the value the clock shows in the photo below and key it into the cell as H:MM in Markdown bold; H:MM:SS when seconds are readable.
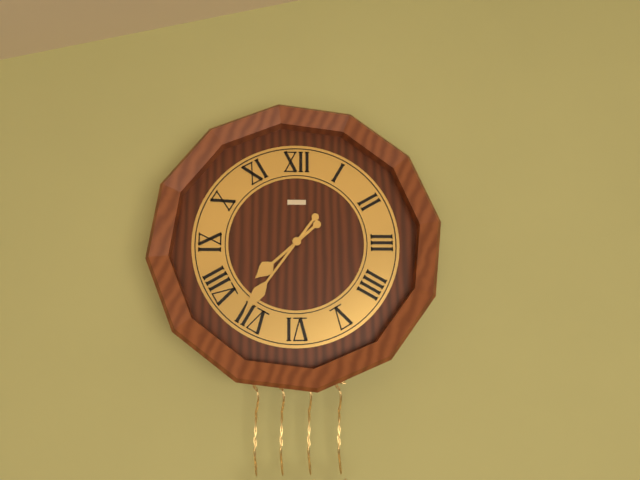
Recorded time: **7:36**
